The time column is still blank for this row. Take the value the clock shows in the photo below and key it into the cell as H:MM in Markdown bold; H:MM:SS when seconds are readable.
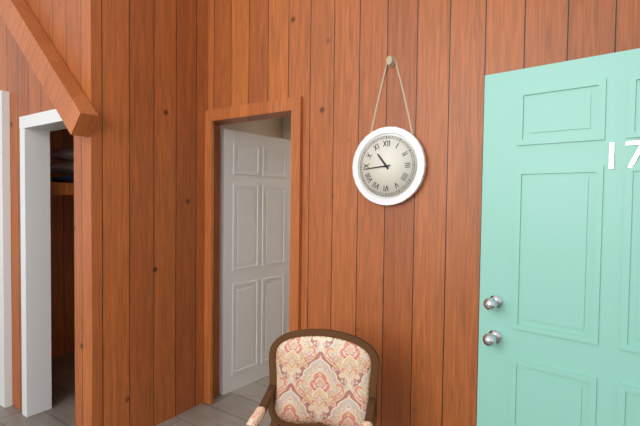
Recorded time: **10:44**
